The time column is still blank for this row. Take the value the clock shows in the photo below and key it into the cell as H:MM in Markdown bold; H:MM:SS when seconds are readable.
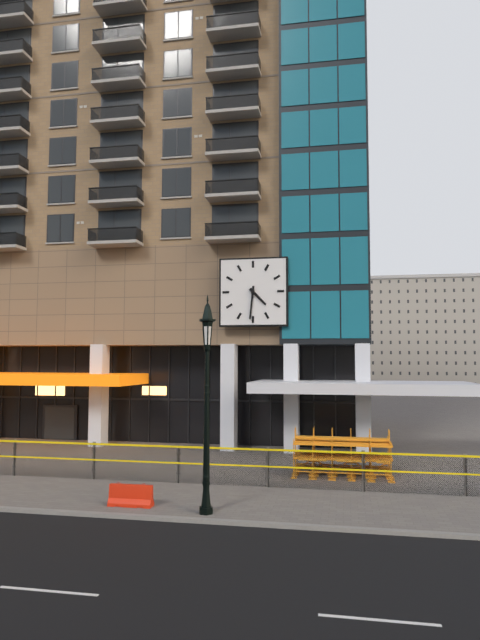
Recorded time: **4:31**
